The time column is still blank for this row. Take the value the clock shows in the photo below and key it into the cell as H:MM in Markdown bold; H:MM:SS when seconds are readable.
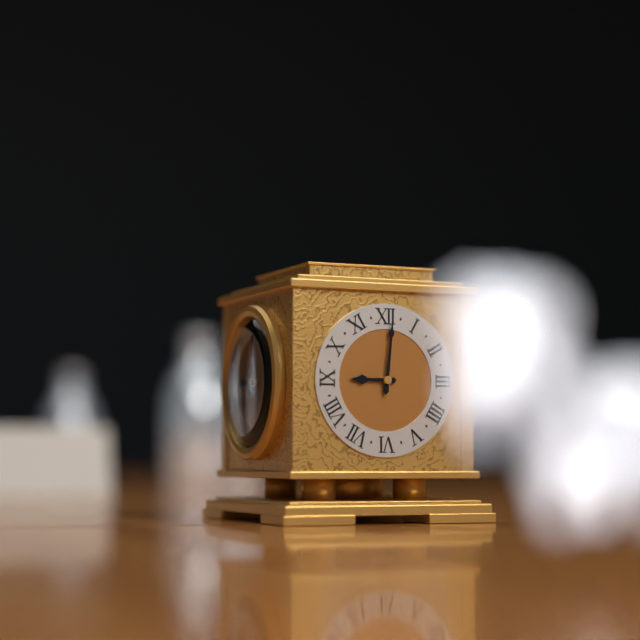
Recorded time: **9:01**
